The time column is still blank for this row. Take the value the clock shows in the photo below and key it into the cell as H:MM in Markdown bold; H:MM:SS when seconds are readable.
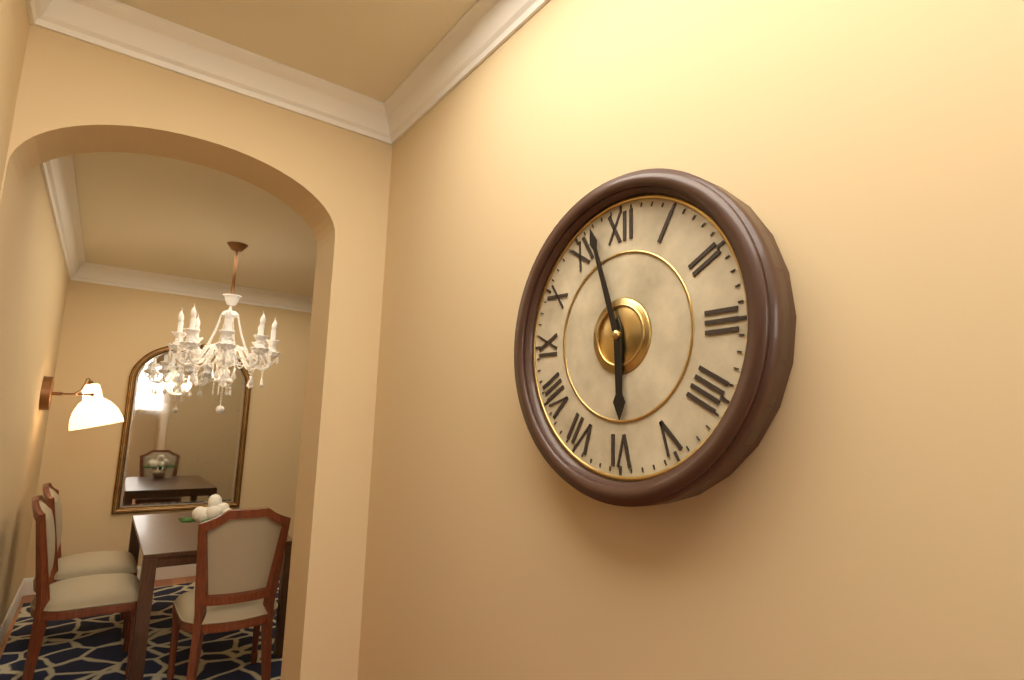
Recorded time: **5:57**
